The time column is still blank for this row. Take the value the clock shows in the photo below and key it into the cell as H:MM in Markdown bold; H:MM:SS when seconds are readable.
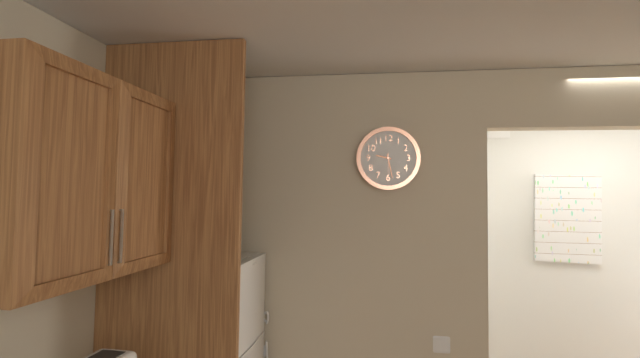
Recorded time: **9:28**
